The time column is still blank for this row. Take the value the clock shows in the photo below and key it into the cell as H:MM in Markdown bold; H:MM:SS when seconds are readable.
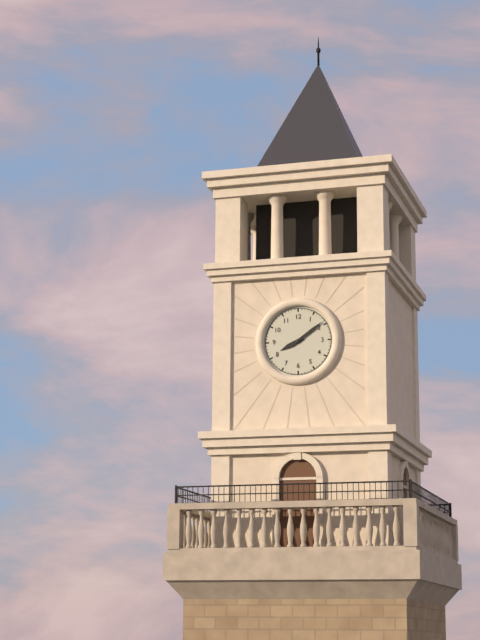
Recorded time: **8:09**
